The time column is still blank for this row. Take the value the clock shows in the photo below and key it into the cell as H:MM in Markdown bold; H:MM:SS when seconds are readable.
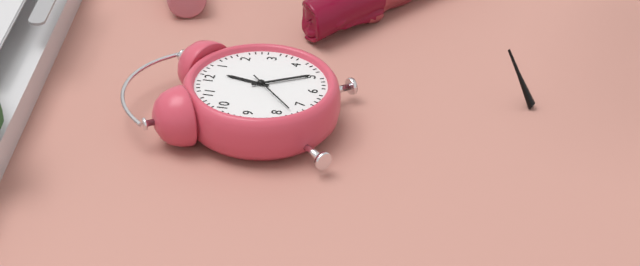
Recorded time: **12:25**
